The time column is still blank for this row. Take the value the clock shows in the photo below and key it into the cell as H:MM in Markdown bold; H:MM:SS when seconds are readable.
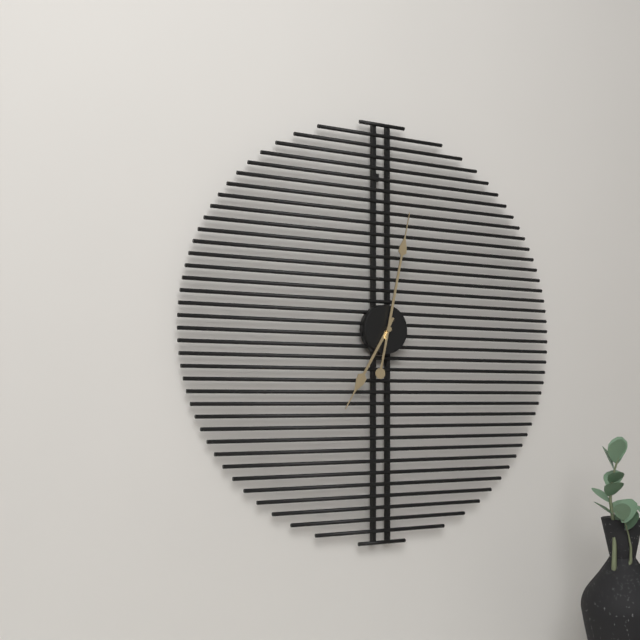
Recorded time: **7:02**
